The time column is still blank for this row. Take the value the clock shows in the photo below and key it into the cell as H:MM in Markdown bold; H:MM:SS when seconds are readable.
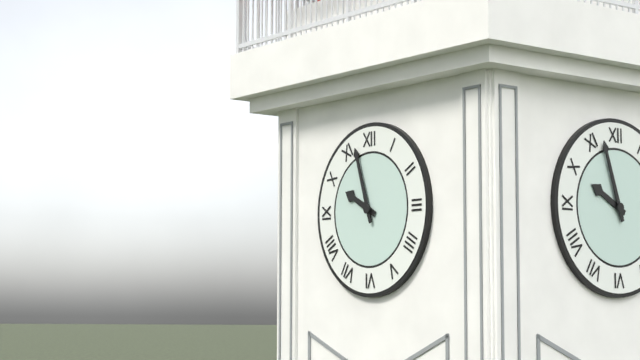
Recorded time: **9:57**
